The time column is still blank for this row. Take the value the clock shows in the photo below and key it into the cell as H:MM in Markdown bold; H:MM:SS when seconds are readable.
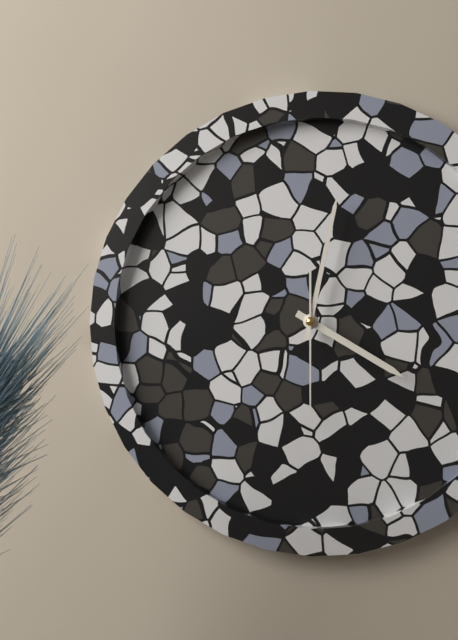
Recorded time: **4:02:30**
